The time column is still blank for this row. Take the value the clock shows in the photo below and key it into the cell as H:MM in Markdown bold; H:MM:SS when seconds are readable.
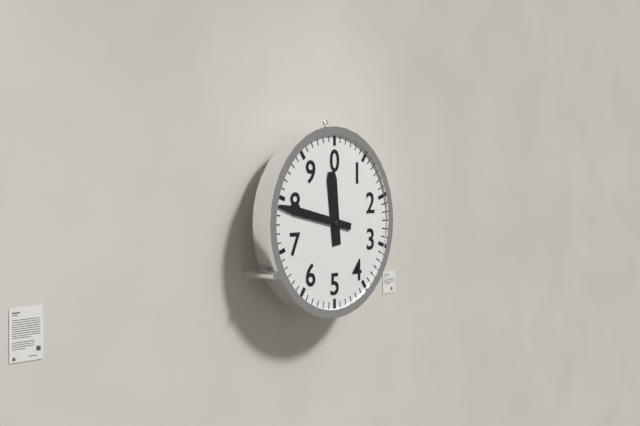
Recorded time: **11:47**
